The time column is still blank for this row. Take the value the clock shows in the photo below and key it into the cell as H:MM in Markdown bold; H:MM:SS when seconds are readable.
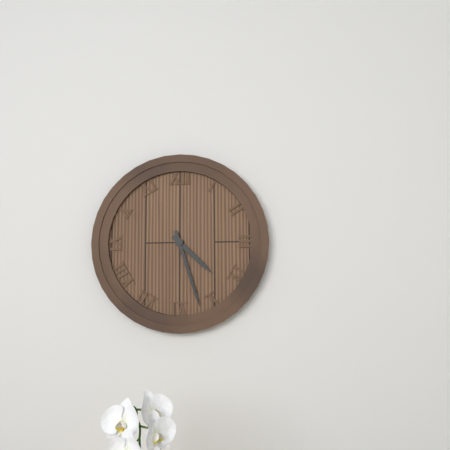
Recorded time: **4:27**
